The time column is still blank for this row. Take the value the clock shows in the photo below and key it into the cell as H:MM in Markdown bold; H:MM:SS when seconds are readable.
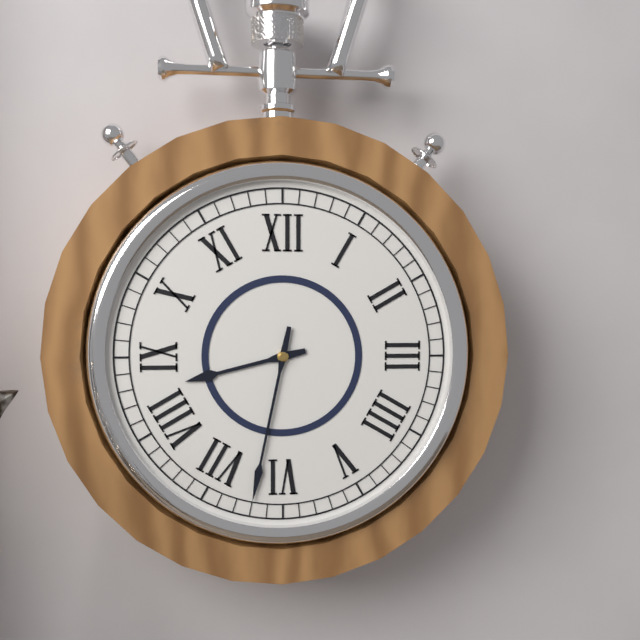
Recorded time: **8:32**
